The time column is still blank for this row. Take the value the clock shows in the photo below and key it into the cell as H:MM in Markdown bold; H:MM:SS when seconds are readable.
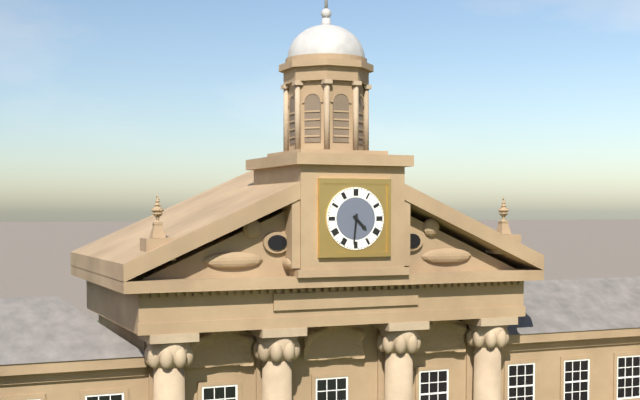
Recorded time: **4:31**
